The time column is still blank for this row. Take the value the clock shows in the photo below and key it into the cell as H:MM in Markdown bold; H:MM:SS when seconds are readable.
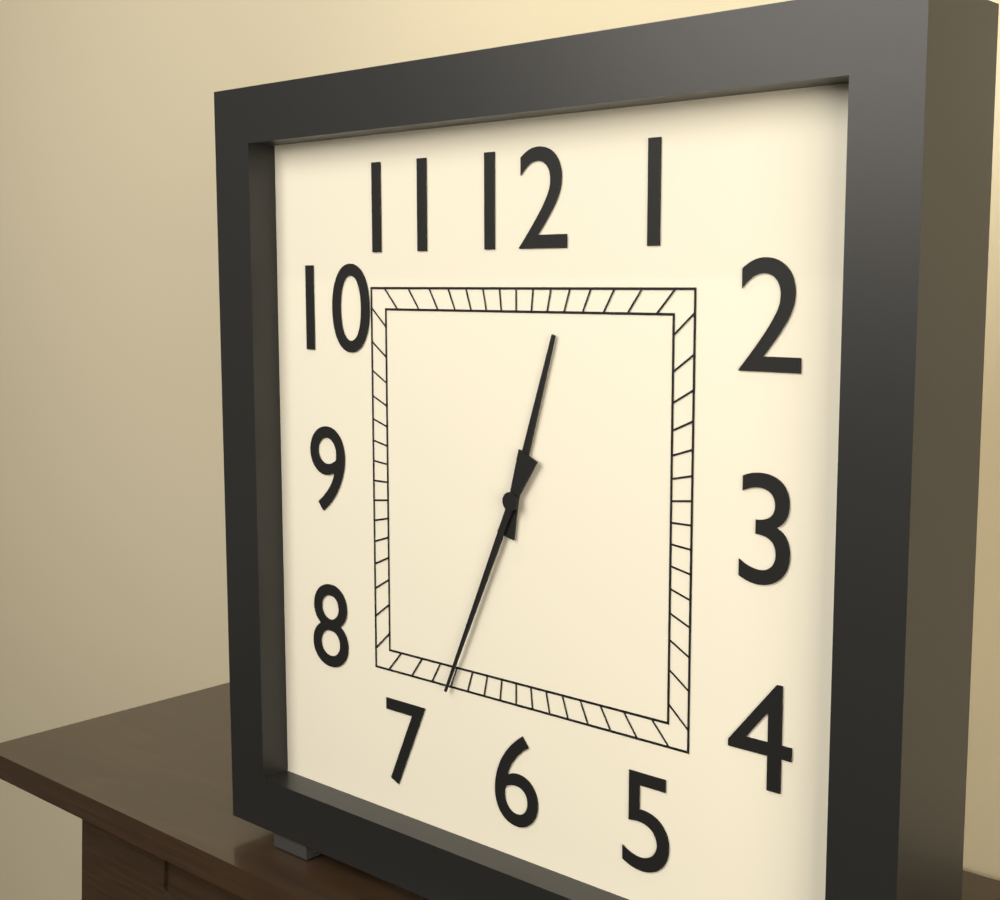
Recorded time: **12:34**
